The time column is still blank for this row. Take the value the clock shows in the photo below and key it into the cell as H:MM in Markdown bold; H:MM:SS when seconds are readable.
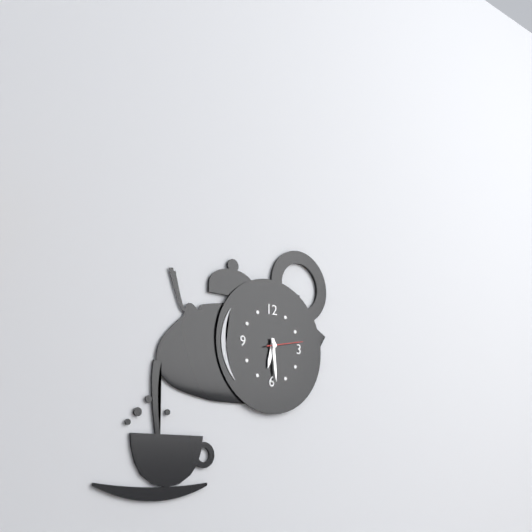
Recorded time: **6:29**
